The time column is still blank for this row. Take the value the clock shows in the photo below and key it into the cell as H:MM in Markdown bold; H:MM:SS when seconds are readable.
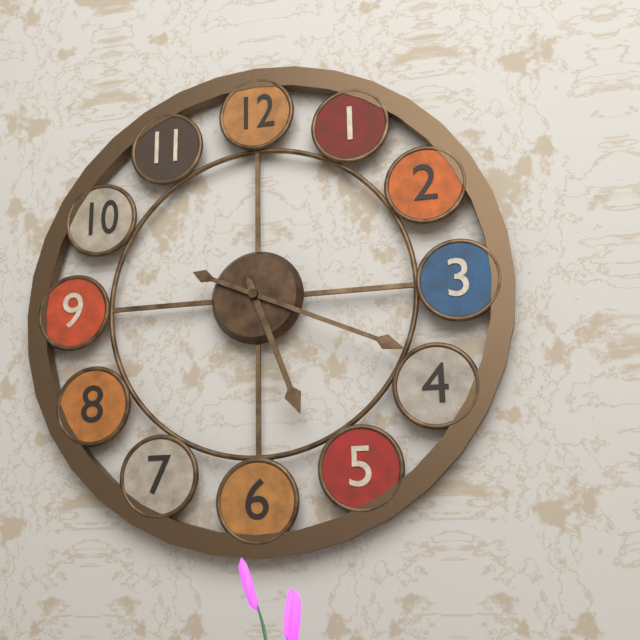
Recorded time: **5:19**
